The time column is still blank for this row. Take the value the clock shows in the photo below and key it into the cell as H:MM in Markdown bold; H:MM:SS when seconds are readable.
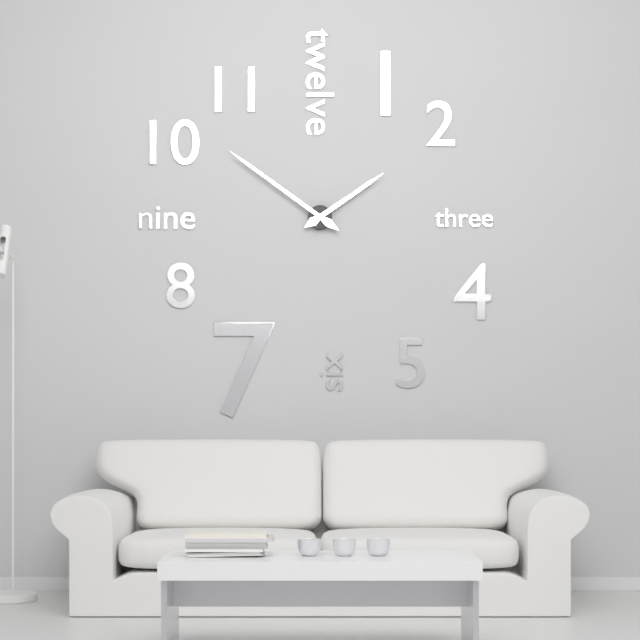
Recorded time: **1:51**
